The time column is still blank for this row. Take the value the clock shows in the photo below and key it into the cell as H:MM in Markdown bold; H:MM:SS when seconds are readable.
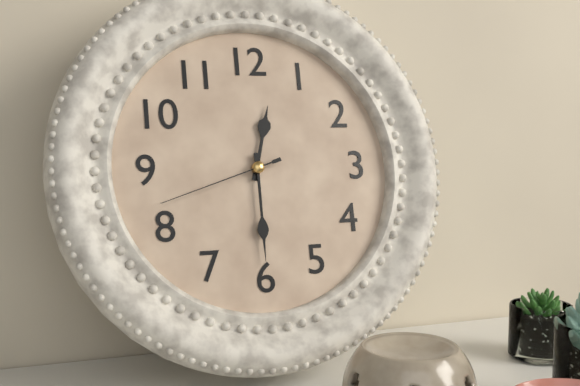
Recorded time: **12:30:42**
